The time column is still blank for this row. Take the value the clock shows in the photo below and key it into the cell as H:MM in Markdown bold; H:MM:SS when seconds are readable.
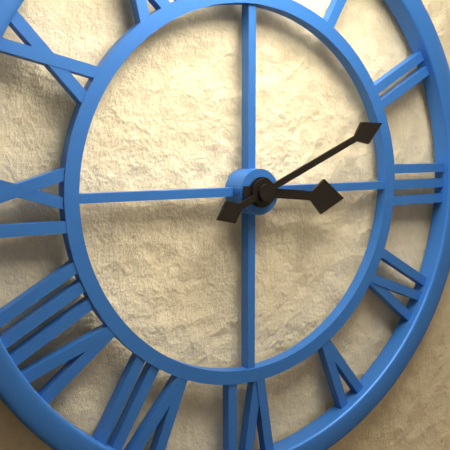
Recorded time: **3:11**
